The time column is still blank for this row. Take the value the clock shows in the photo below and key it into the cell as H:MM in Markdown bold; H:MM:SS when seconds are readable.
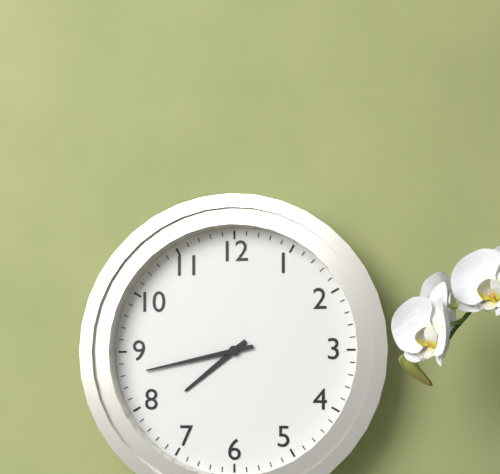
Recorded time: **7:43**
